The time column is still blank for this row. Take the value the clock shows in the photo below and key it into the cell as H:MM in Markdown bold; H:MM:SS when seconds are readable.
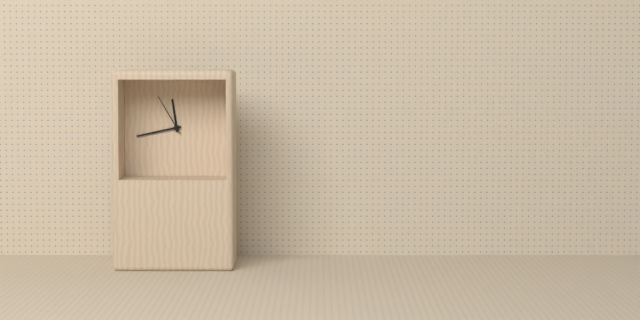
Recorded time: **11:43**
